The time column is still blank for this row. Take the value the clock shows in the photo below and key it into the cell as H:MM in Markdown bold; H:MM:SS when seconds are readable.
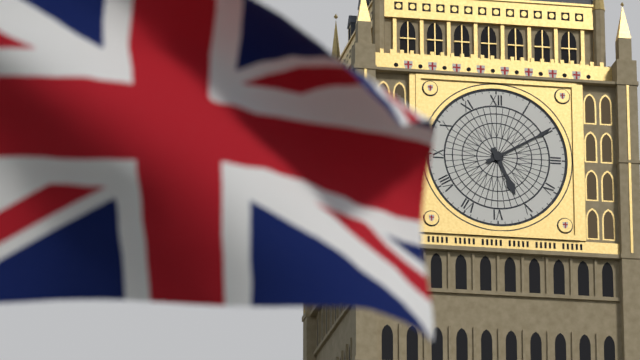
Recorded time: **5:10**
